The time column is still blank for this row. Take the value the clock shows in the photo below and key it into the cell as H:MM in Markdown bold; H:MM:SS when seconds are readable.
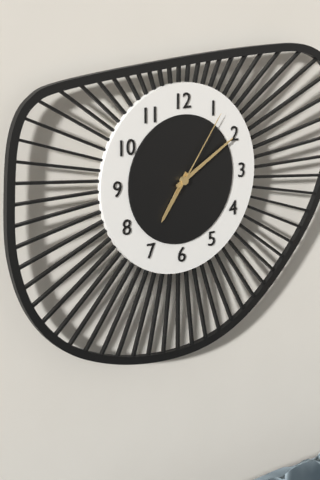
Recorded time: **7:10:06**
